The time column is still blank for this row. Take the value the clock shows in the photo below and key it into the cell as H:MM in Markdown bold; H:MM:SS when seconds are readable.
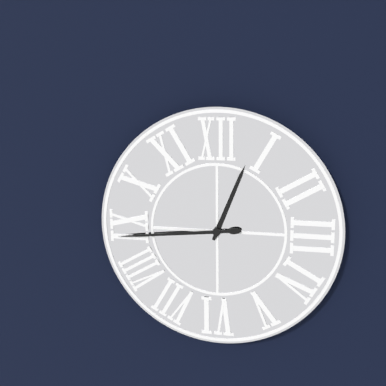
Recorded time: **12:44**
